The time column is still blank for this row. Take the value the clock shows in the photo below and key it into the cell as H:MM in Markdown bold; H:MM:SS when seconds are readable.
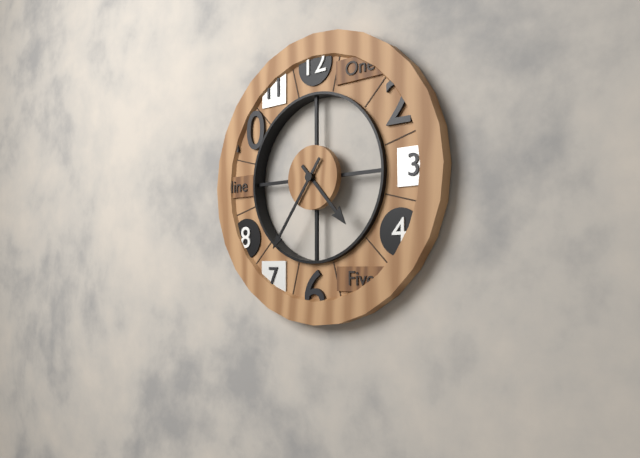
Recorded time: **4:36**
